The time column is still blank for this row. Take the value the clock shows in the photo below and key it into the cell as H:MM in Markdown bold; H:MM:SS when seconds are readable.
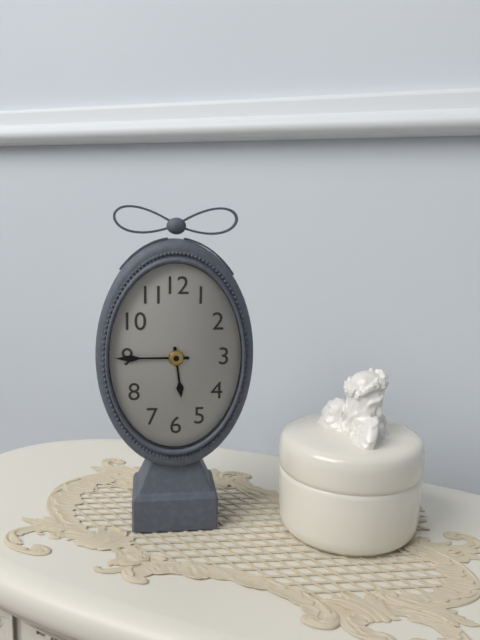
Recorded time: **5:45**
